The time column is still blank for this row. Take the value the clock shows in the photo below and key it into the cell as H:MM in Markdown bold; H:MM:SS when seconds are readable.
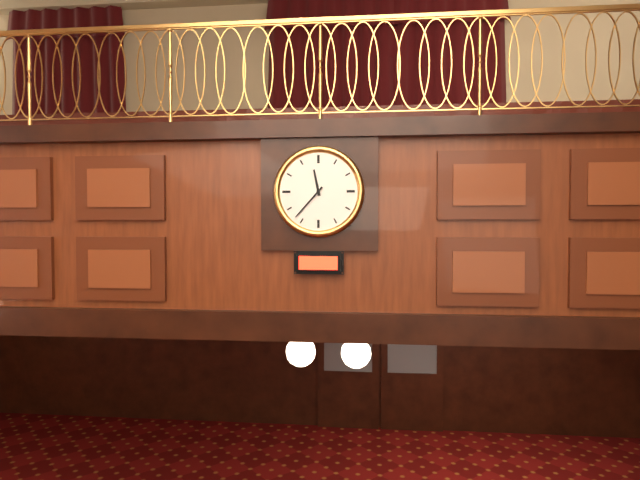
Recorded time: **11:37**
